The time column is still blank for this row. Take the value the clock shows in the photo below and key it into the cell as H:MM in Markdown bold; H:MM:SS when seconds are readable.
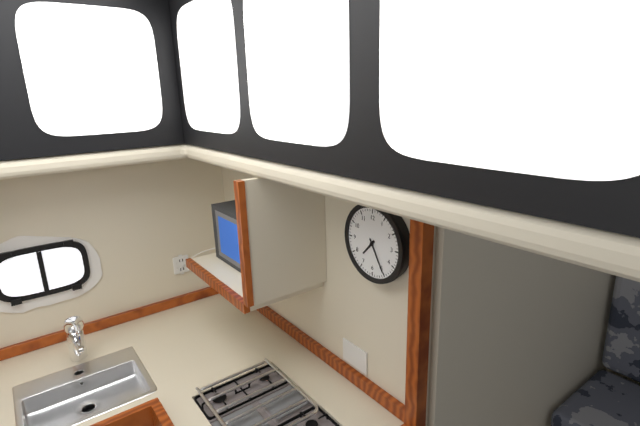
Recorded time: **7:25**
